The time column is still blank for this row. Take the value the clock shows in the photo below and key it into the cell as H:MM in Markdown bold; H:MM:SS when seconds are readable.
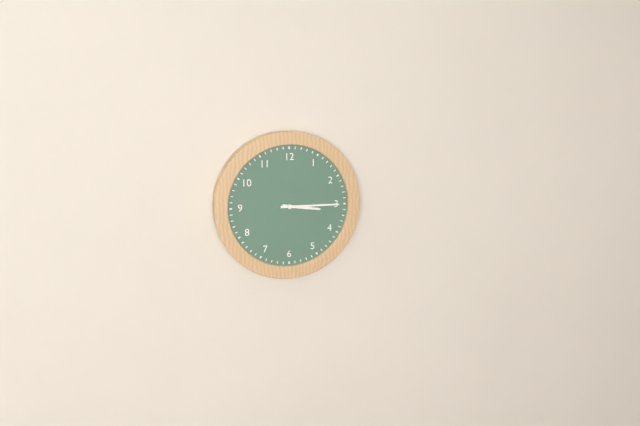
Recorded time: **3:15**
